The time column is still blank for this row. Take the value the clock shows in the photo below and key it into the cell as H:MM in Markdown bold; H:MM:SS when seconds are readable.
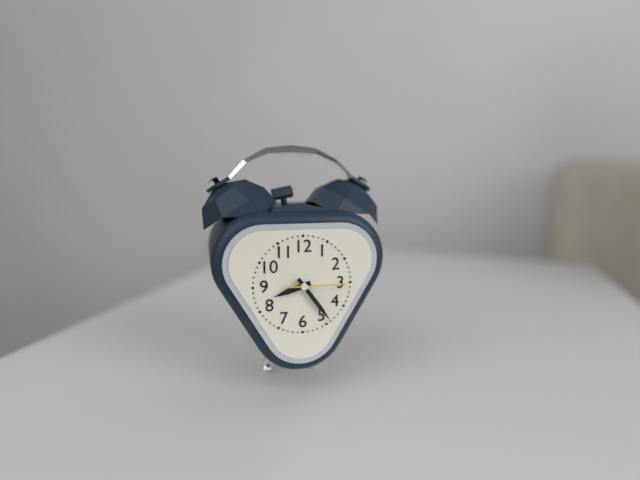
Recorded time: **8:24:15**
